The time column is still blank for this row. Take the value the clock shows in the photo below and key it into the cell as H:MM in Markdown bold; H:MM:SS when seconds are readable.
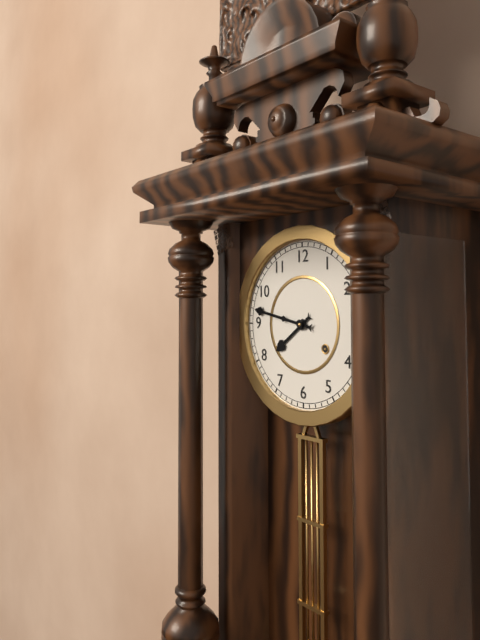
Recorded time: **7:47**
